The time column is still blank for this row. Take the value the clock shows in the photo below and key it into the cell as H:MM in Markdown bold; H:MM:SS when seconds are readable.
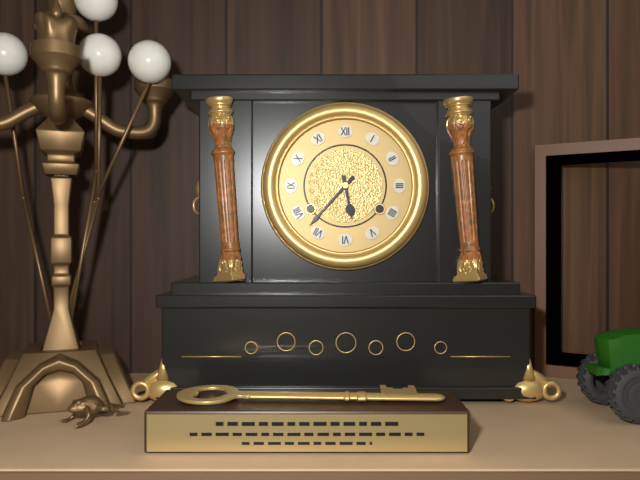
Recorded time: **5:37**
